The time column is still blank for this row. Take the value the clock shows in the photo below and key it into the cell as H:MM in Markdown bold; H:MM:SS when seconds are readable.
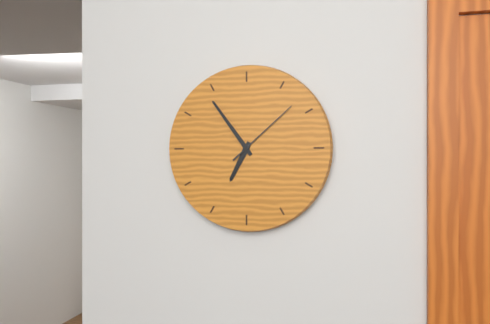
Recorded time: **6:54:08**
